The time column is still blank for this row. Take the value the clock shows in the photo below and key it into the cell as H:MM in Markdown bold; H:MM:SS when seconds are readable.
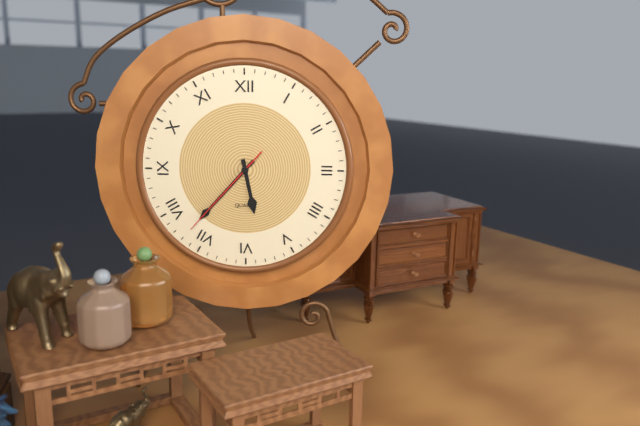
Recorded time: **5:37:37**
